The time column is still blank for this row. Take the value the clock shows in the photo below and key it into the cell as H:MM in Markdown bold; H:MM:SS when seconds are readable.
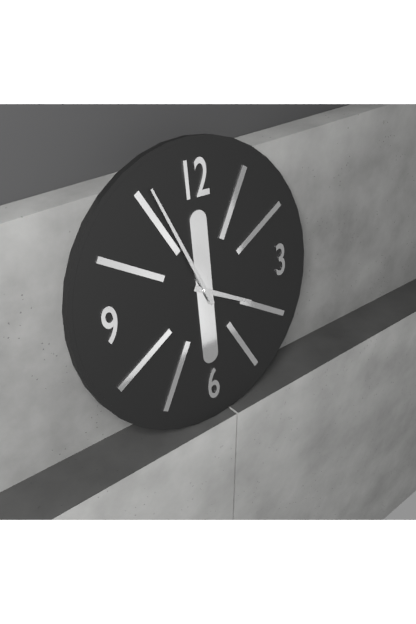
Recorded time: **3:56**
